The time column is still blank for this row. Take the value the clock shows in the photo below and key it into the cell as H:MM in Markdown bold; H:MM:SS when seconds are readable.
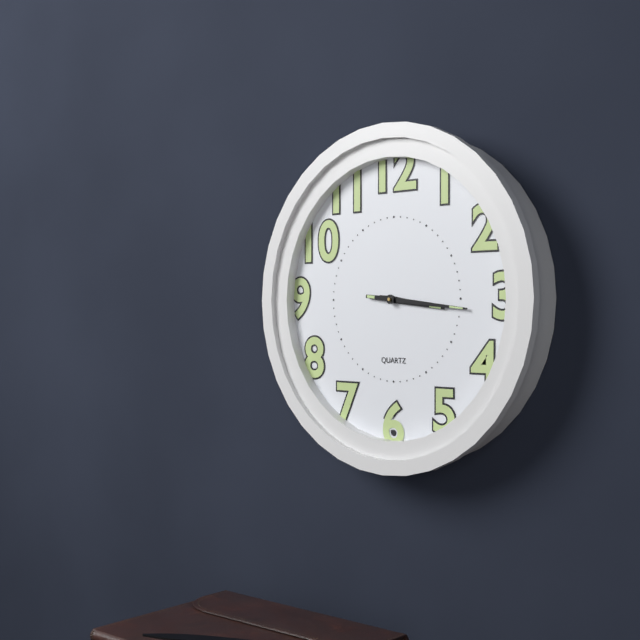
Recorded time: **3:16**
